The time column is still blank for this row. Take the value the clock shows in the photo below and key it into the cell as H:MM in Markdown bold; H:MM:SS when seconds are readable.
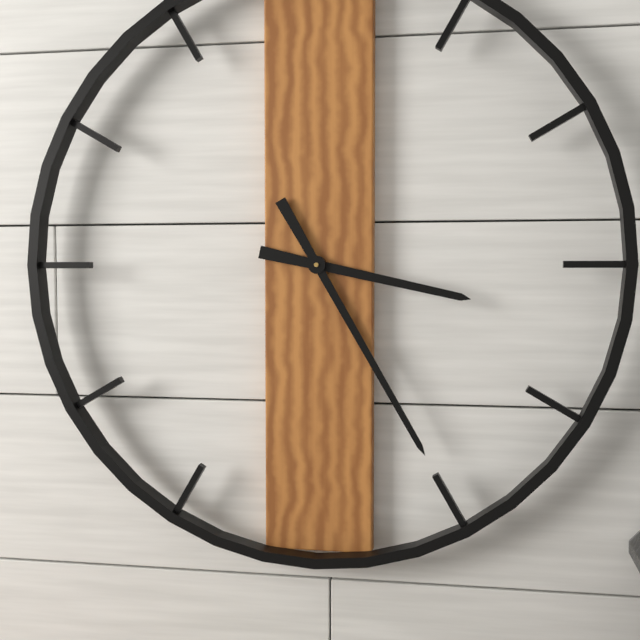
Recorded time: **3:25**
